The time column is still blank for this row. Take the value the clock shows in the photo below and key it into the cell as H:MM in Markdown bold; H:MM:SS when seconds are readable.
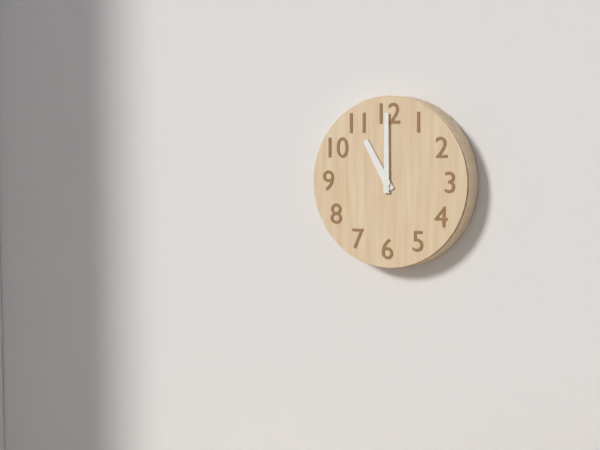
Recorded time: **11:00**
